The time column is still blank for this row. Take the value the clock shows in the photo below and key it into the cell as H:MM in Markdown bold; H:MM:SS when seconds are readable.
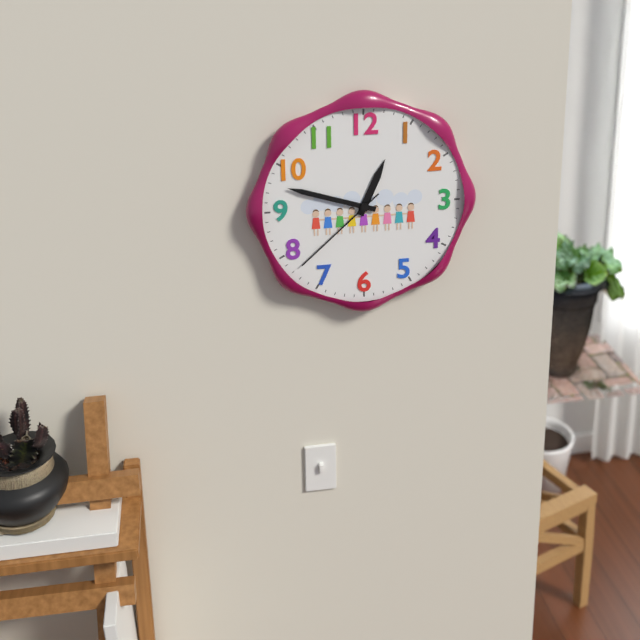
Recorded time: **12:48:38**
